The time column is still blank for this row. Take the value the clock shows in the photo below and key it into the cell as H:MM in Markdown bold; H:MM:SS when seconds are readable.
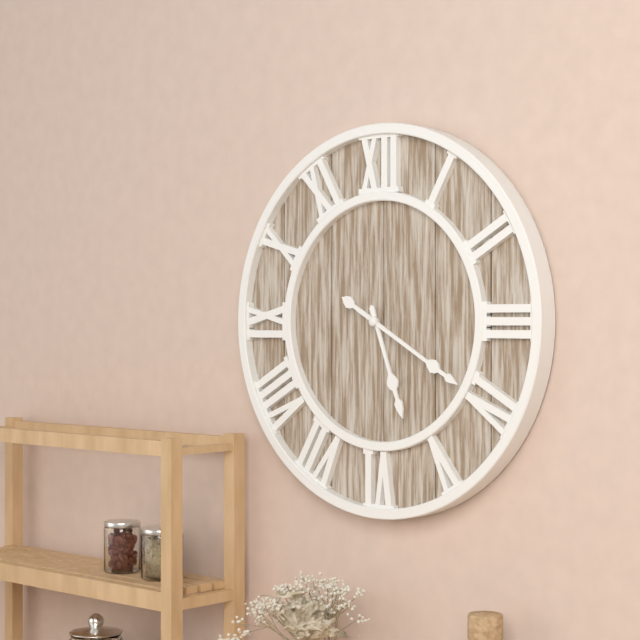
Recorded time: **5:20**
